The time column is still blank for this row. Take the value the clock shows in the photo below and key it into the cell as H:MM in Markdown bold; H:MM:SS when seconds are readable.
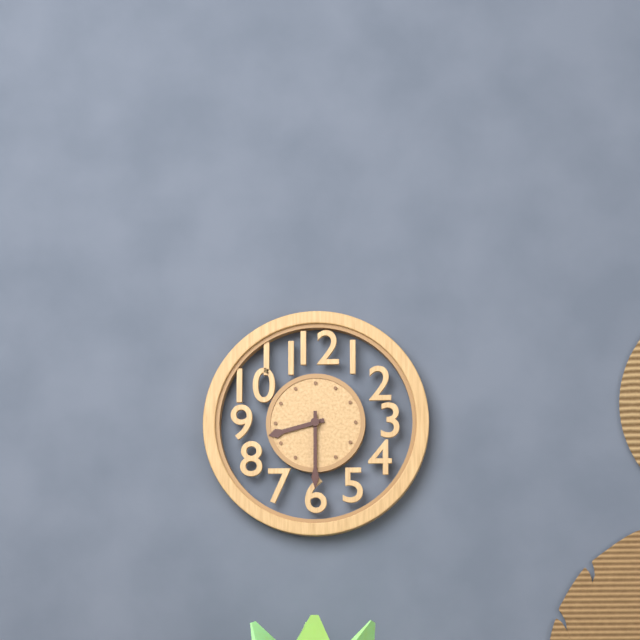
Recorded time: **8:30**
